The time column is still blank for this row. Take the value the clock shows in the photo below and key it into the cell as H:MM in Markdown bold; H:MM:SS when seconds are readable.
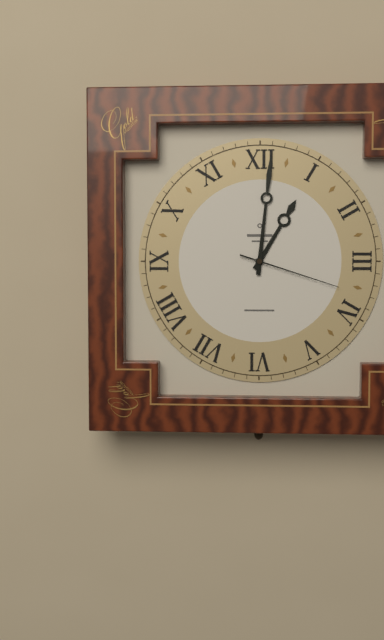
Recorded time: **1:01:18**
